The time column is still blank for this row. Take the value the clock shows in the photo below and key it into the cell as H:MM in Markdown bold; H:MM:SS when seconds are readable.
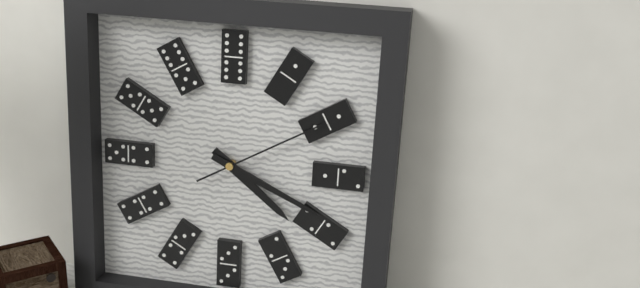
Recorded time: **4:19:10**
